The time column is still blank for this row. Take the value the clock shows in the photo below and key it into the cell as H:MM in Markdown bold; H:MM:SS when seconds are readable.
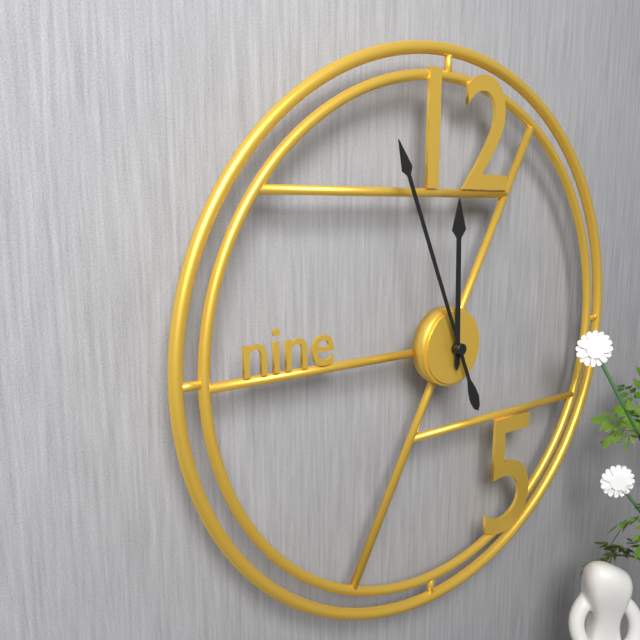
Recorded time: **11:56**
